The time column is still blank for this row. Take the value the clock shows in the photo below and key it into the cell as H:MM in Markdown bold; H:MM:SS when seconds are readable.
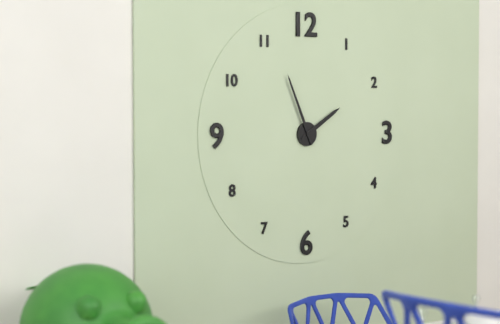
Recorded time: **1:56**
